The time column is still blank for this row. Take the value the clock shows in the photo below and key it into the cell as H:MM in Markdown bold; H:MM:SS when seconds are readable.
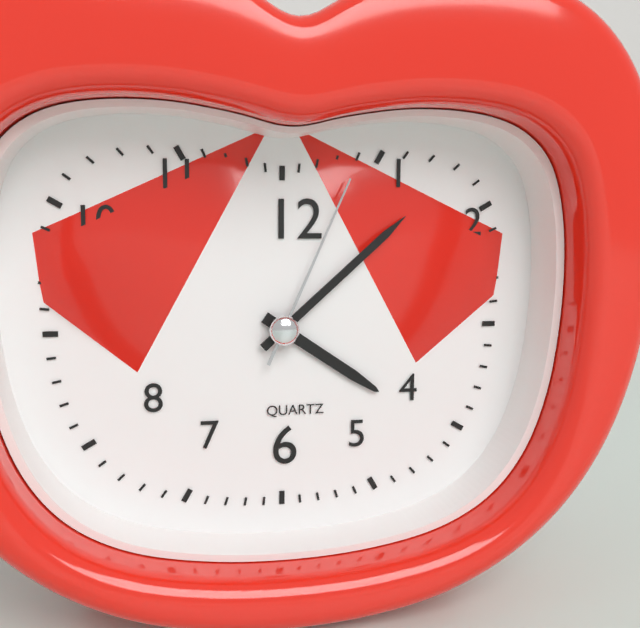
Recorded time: **4:08:04**
